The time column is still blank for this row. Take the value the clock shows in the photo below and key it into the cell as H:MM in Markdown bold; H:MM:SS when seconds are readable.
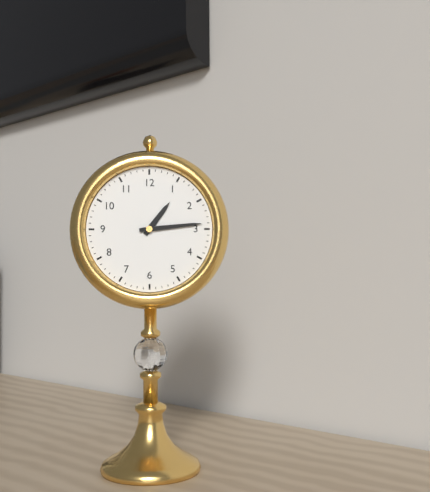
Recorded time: **1:14**
